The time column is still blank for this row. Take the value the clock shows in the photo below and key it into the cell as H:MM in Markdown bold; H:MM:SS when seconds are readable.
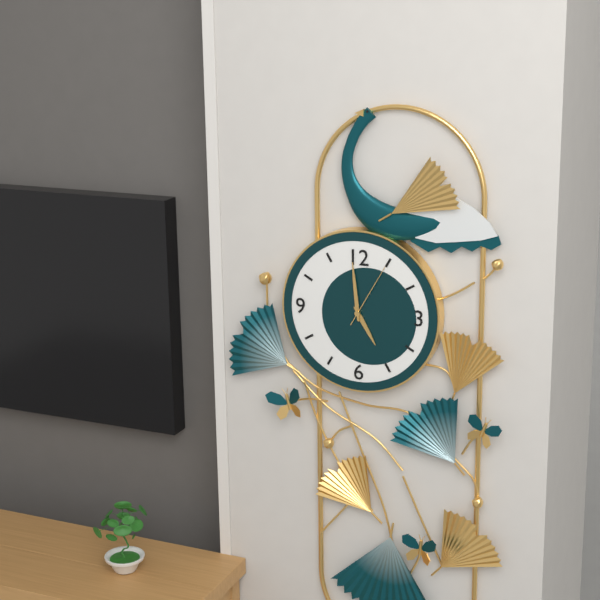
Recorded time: **4:59:05**
